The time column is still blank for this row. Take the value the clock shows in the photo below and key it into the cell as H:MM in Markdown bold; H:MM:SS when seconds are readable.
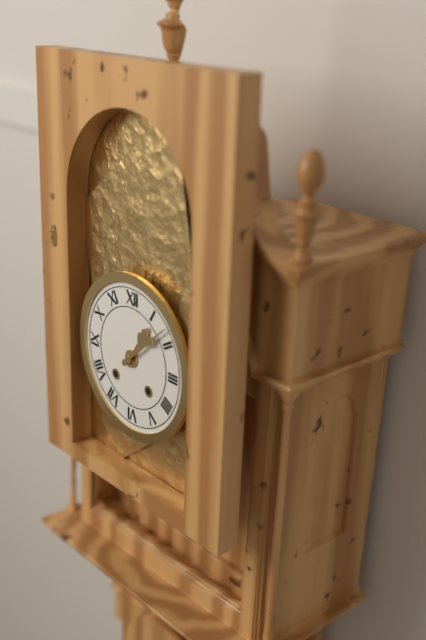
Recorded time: **1:08**
